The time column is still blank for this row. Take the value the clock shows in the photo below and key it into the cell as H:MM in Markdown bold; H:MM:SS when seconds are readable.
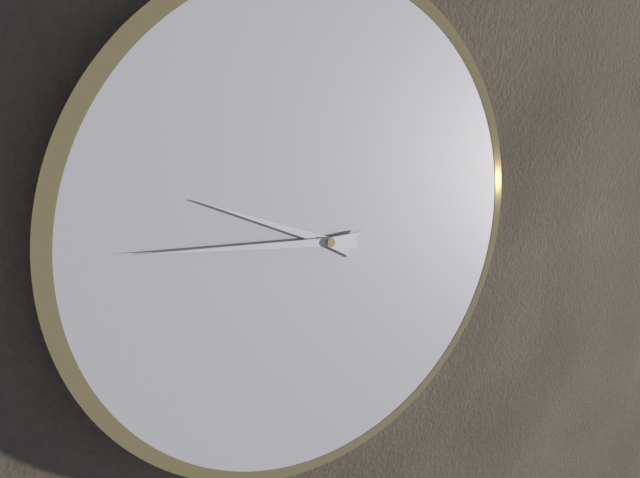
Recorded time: **9:46**
